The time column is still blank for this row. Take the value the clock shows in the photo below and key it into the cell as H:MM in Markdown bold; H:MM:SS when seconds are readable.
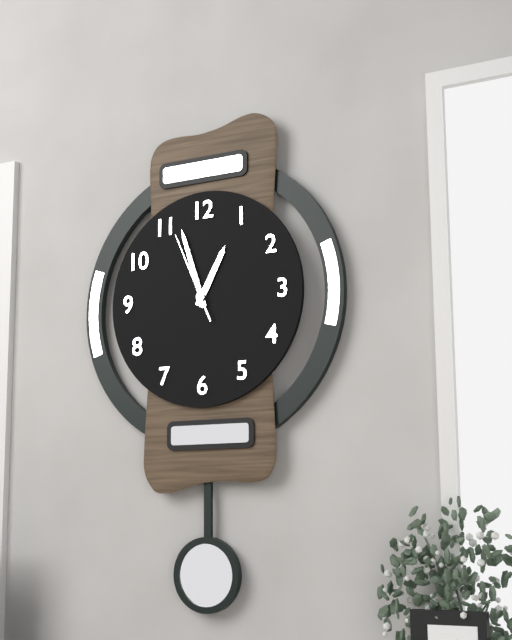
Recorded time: **12:57:56**
